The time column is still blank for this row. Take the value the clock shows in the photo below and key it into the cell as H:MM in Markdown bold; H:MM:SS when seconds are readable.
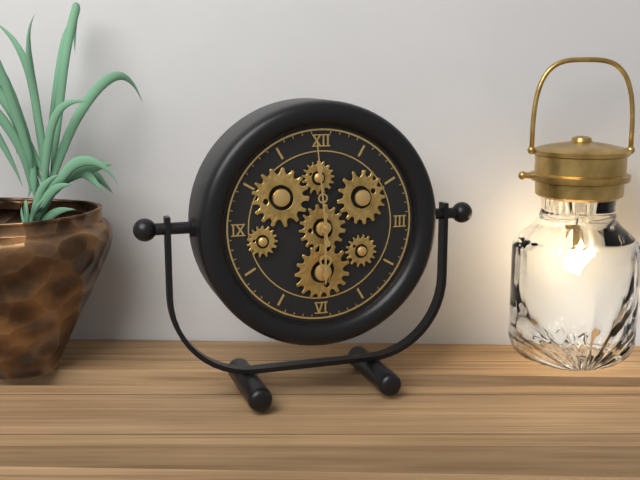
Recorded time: **5:59**
